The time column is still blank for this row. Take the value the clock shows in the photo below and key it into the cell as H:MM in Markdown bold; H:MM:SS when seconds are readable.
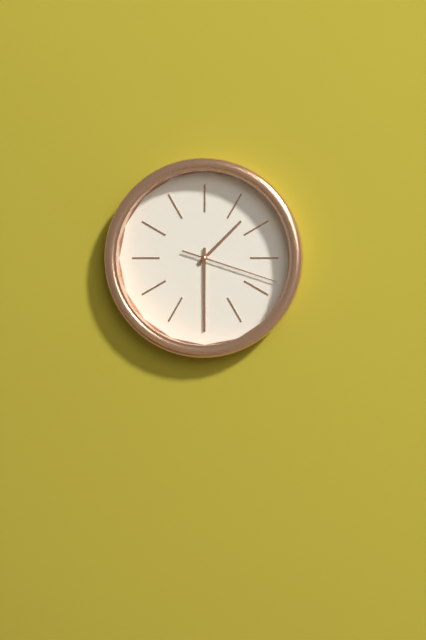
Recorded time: **1:30:18**
